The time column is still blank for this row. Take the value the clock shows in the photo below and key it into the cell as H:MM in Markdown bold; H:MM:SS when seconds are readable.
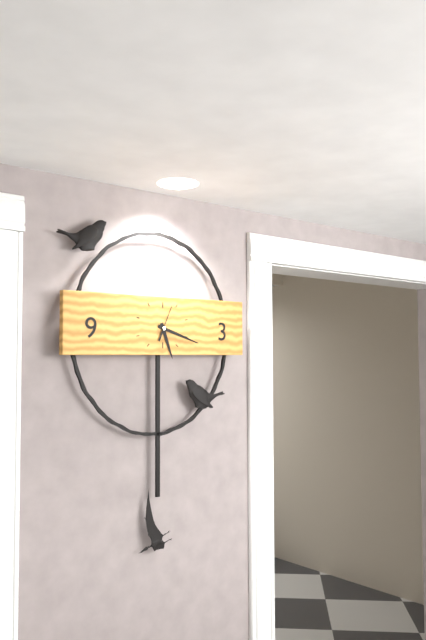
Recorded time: **5:18**
